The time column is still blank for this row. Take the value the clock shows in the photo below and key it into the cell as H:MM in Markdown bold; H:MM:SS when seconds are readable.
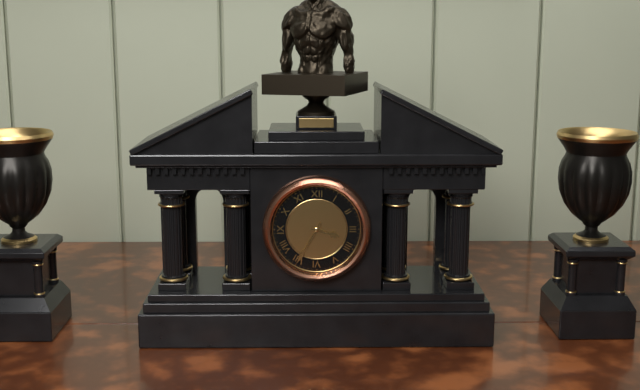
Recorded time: **3:35**
